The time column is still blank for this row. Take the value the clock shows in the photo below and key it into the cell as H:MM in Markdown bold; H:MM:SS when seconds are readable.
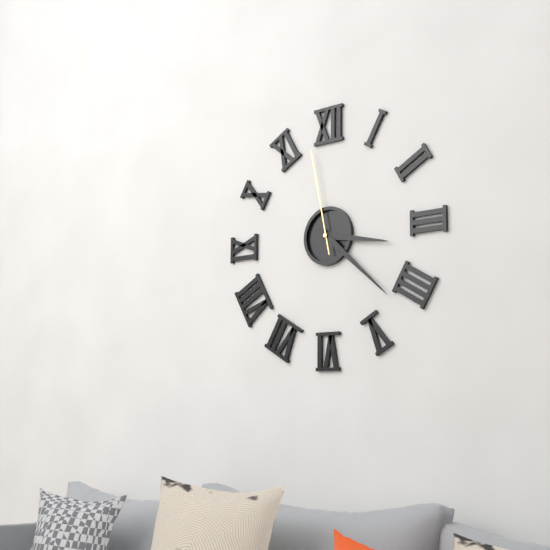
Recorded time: **3:22:58**
